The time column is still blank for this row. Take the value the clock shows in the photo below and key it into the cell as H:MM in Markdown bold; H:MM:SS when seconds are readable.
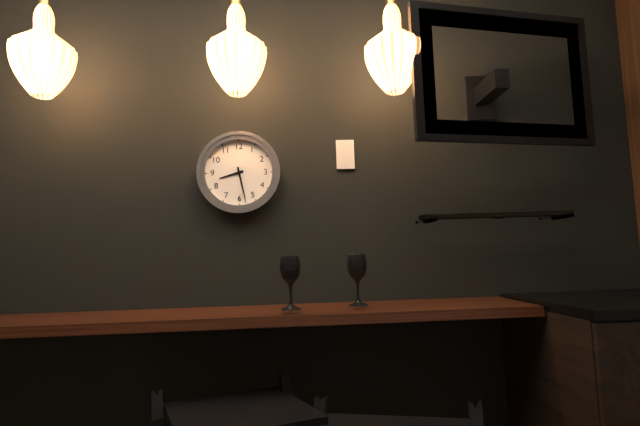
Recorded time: **8:28**
